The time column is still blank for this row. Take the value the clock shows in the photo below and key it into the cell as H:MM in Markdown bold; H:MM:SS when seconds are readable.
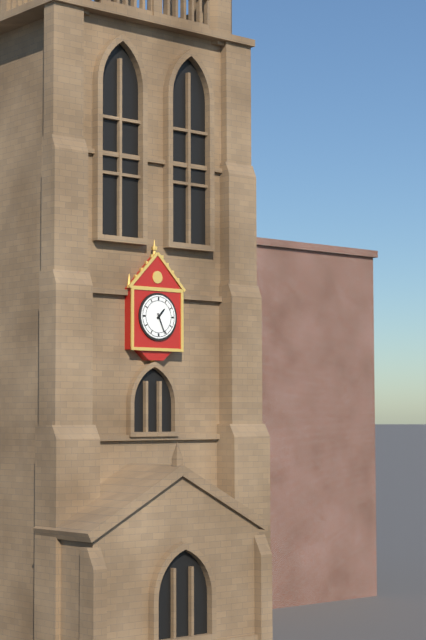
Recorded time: **1:26**
